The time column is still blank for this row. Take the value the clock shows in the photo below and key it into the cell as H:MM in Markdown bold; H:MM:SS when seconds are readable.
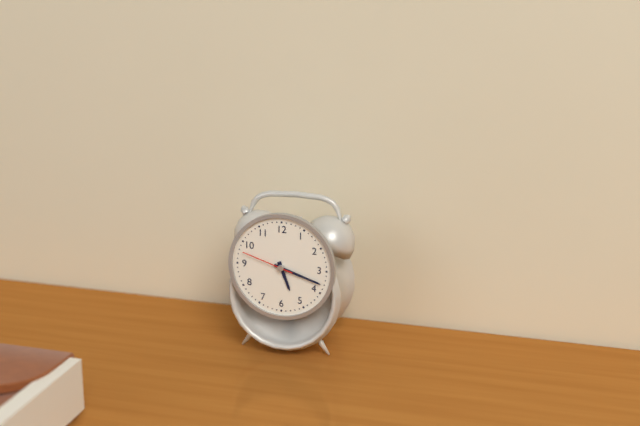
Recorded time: **5:18:48**
